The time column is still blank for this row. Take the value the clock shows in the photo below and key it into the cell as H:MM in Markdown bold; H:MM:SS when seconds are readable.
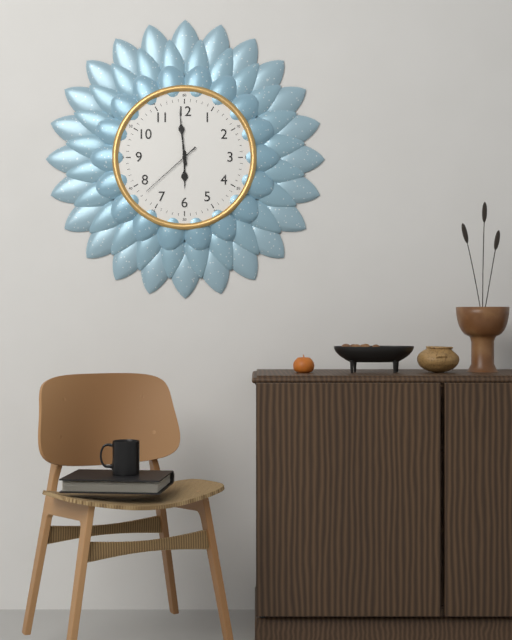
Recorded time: **5:59:38**
